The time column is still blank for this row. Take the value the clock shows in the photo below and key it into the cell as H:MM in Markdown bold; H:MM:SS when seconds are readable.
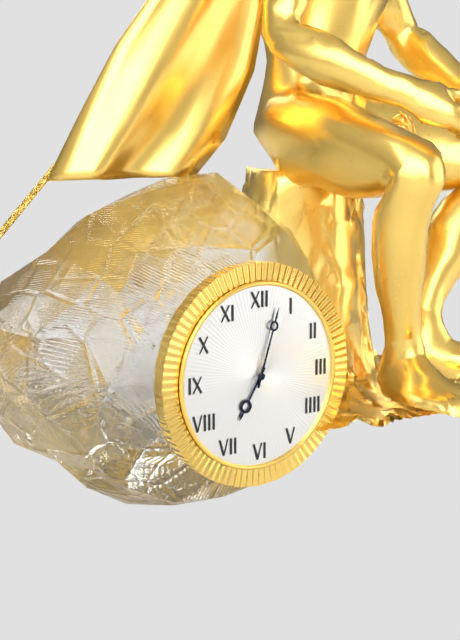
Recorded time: **7:03**
